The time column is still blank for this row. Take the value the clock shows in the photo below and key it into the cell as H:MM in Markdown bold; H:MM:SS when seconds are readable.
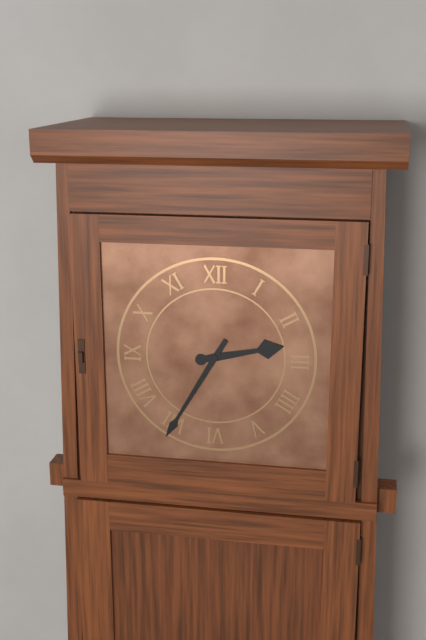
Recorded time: **2:35**
